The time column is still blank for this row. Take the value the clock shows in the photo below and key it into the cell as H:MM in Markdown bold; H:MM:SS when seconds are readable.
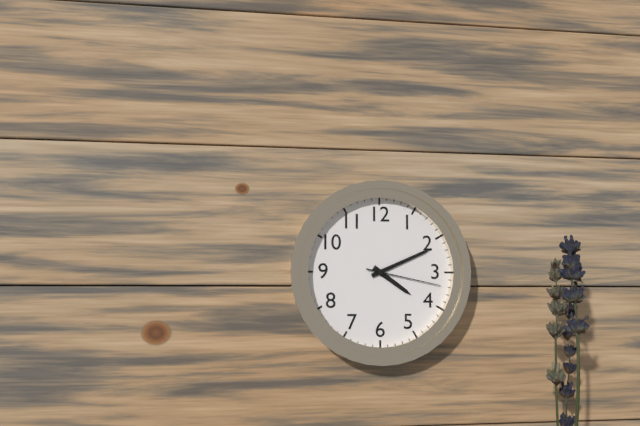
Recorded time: **4:11:17**
